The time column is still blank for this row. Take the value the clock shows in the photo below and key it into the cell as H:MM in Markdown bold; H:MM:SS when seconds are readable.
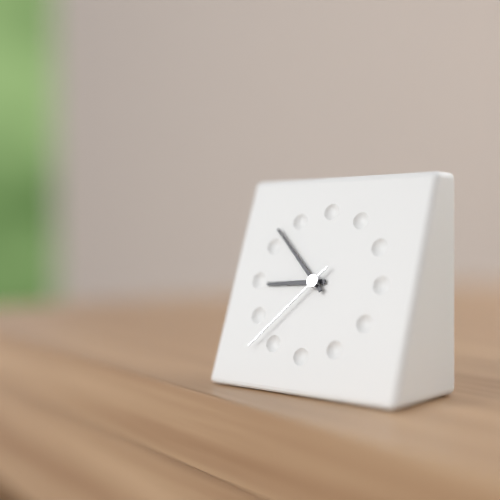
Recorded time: **8:52:37**
